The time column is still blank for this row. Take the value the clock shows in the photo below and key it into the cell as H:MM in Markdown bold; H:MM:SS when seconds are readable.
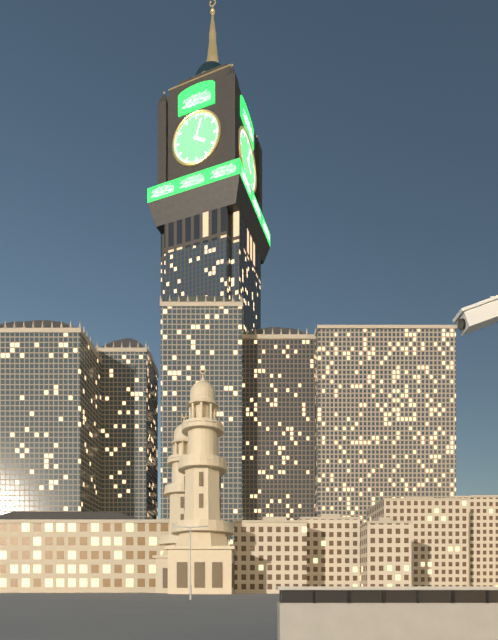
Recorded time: **4:03**
